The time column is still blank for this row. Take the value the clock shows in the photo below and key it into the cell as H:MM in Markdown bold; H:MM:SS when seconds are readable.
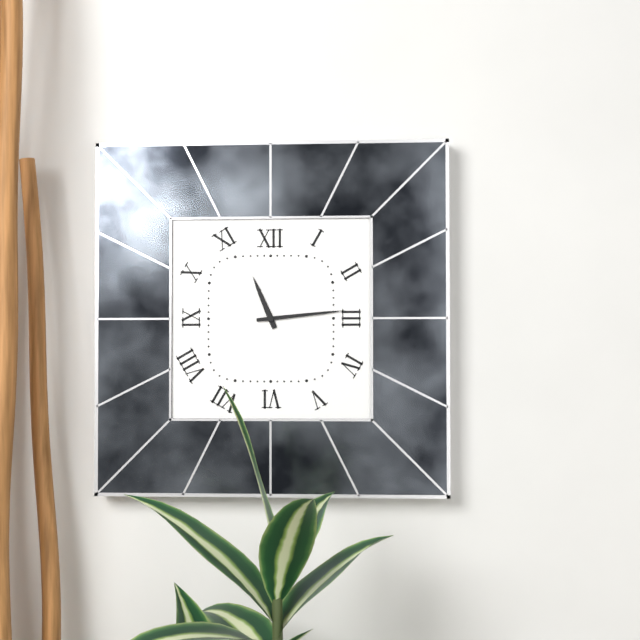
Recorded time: **11:14**
